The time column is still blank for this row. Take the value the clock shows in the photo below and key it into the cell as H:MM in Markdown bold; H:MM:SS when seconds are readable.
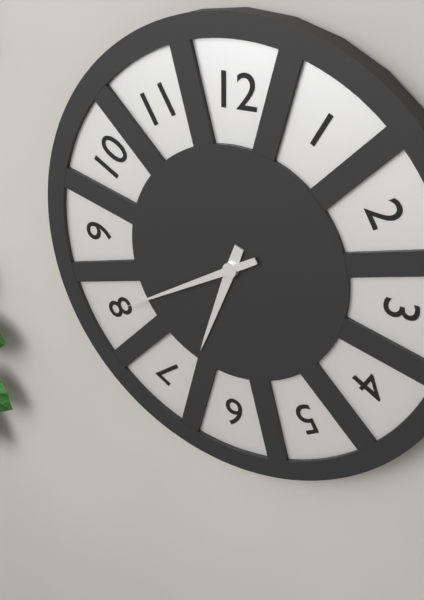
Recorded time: **6:40**
